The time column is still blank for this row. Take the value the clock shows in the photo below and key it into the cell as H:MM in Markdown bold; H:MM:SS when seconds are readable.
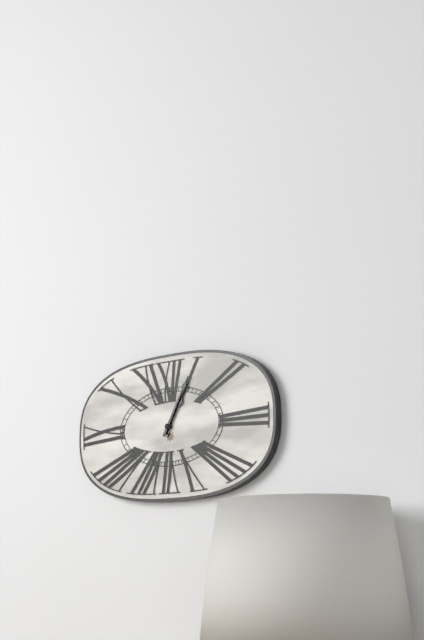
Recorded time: **1:05**
